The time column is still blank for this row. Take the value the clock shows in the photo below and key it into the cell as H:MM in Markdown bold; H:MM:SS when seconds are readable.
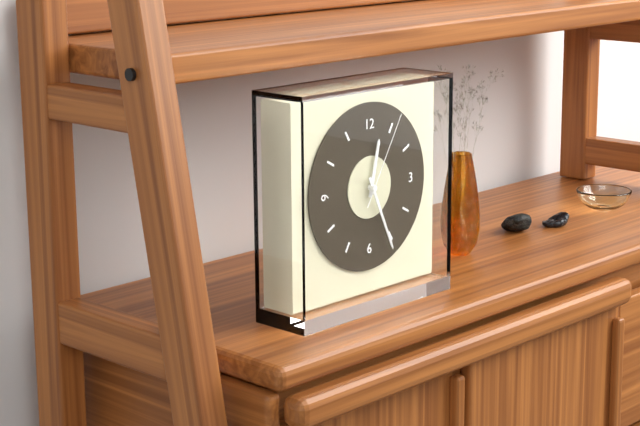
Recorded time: **12:26:05**
